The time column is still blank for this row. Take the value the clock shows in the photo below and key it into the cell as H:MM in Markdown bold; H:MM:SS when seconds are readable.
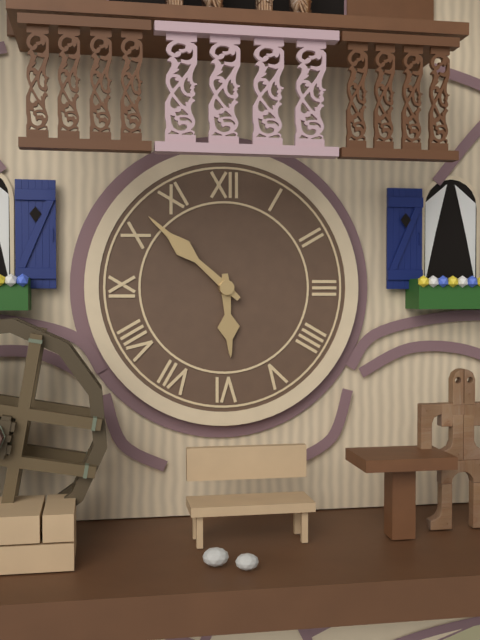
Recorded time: **5:52**
